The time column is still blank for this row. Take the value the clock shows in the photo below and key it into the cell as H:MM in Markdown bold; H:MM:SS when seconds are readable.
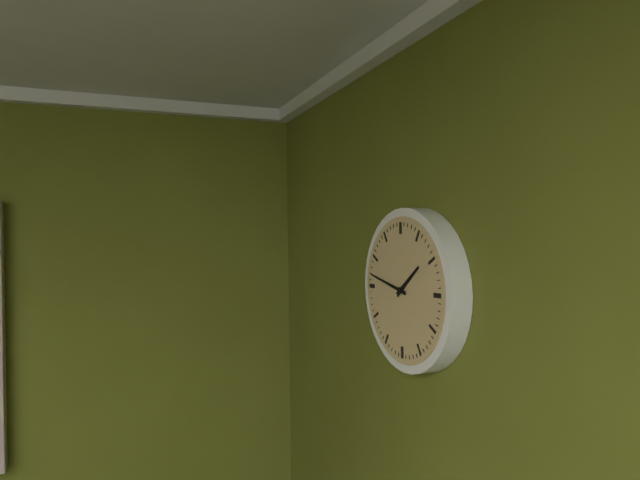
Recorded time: **1:47**
